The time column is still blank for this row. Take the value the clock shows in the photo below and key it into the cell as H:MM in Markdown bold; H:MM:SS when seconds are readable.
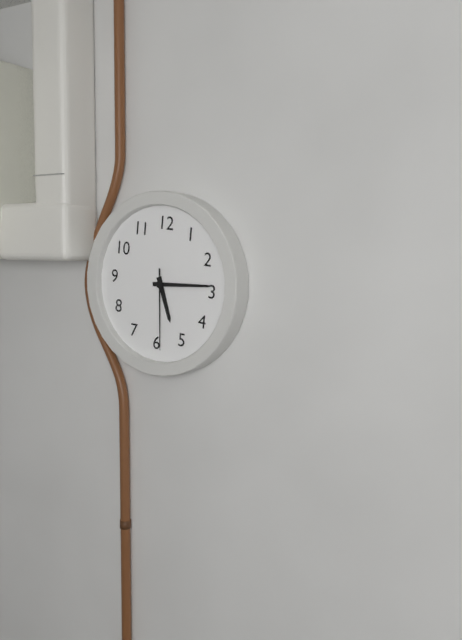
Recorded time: **5:14:29**
